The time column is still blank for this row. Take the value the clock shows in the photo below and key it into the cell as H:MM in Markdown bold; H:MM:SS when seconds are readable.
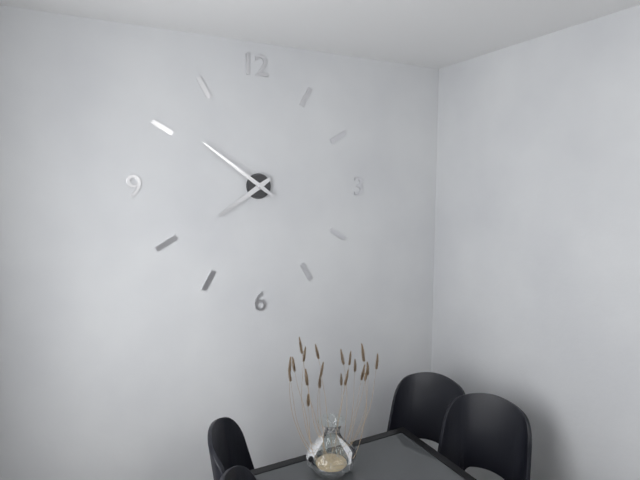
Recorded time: **7:51**
